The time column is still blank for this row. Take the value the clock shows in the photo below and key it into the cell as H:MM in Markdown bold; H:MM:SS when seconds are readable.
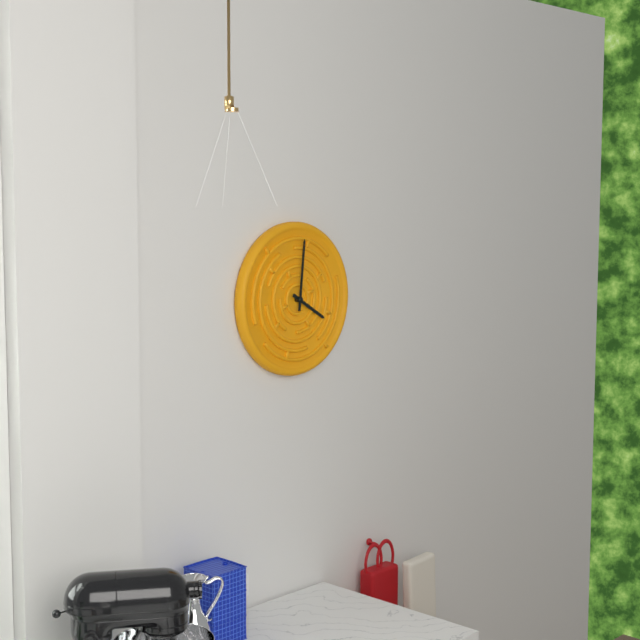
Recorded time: **4:01**
